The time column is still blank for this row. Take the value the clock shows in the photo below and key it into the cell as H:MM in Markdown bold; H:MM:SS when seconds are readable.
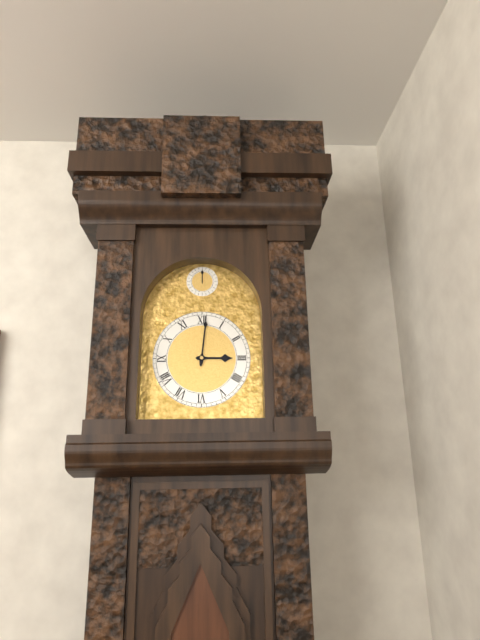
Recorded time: **3:01**
